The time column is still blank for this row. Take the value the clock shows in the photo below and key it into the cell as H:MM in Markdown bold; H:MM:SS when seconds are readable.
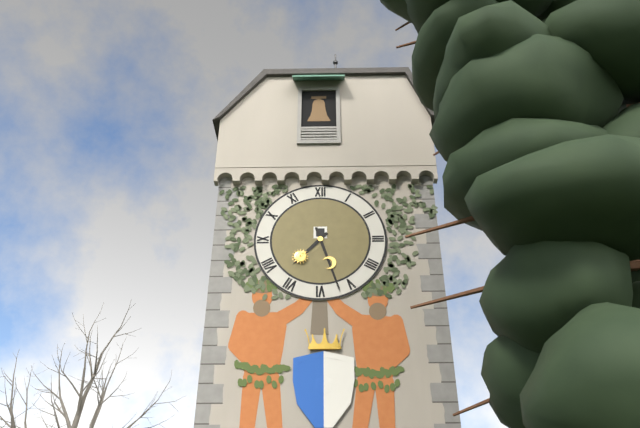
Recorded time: **7:27**
